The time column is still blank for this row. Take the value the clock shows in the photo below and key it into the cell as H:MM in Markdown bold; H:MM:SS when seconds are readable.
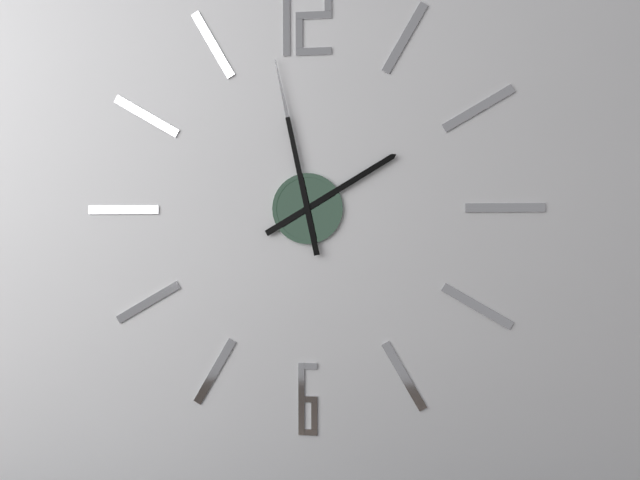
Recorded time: **1:58**
